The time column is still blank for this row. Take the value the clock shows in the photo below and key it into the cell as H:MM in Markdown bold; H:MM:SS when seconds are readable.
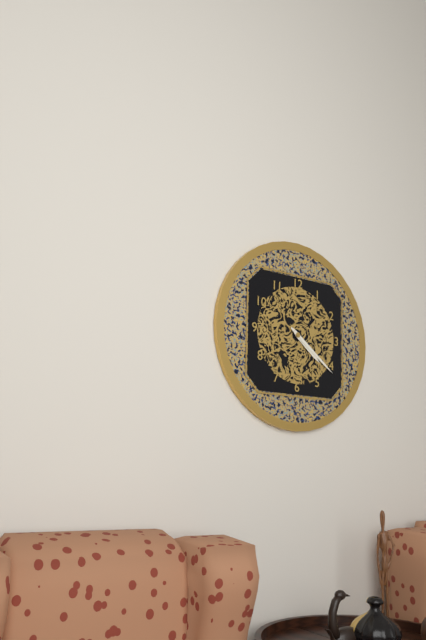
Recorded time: **4:21**
